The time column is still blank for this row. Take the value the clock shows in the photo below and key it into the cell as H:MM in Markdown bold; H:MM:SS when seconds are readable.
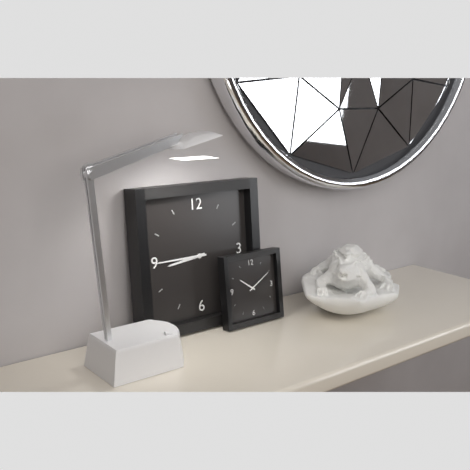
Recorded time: **8:45**
